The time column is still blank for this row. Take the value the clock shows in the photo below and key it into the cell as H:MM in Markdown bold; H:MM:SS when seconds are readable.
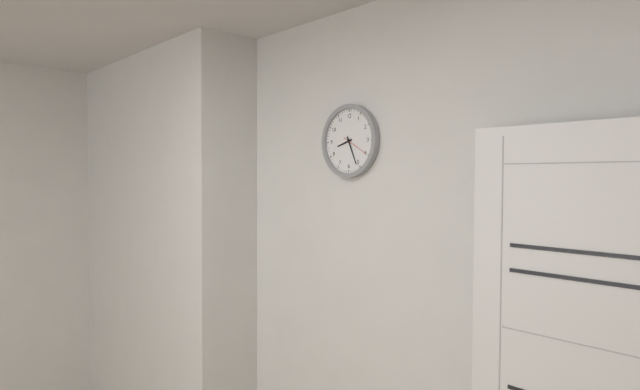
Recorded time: **8:26**
